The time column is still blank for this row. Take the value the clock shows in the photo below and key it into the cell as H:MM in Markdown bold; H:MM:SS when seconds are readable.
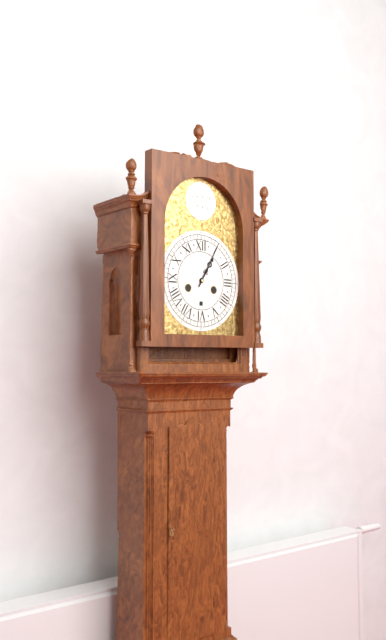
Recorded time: **1:05**
